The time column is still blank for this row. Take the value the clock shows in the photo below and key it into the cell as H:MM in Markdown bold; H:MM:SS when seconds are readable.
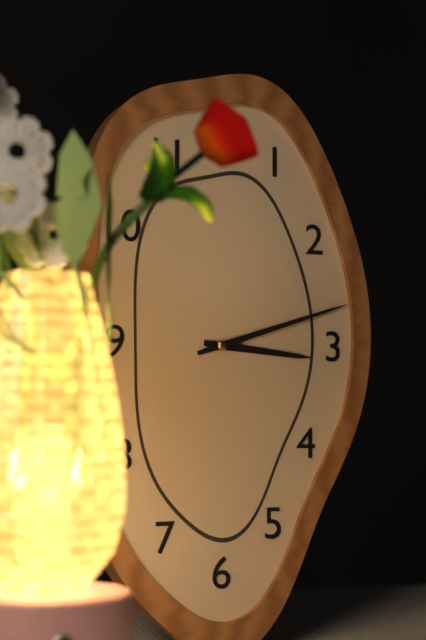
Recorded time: **3:12**
